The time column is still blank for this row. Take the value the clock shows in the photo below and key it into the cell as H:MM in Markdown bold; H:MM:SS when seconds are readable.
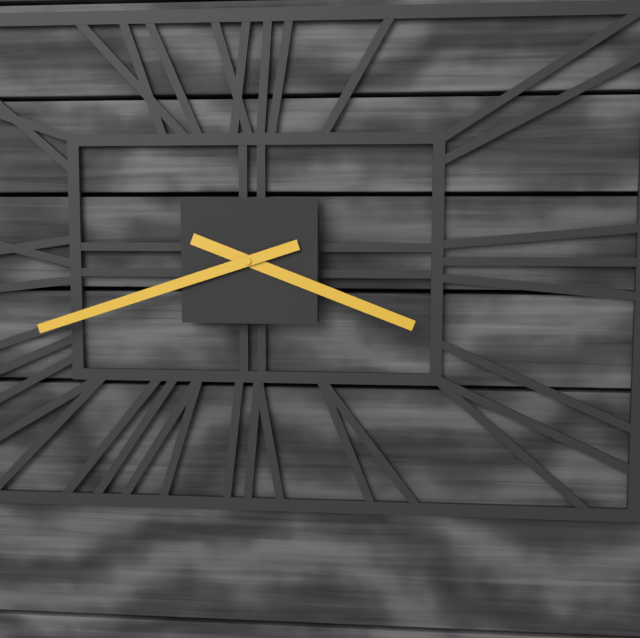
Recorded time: **3:42**
